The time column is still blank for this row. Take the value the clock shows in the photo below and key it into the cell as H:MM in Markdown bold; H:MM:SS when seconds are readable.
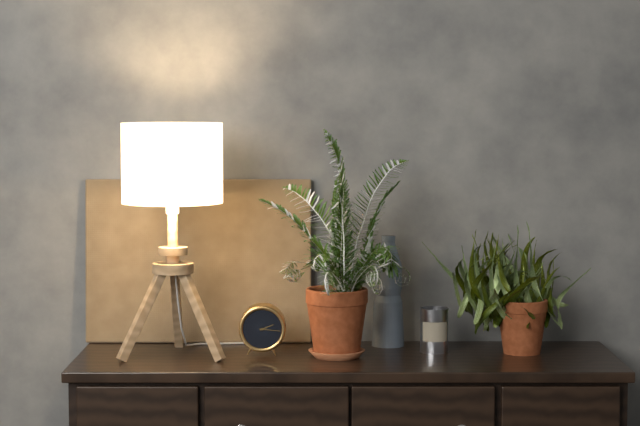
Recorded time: **2:16**
